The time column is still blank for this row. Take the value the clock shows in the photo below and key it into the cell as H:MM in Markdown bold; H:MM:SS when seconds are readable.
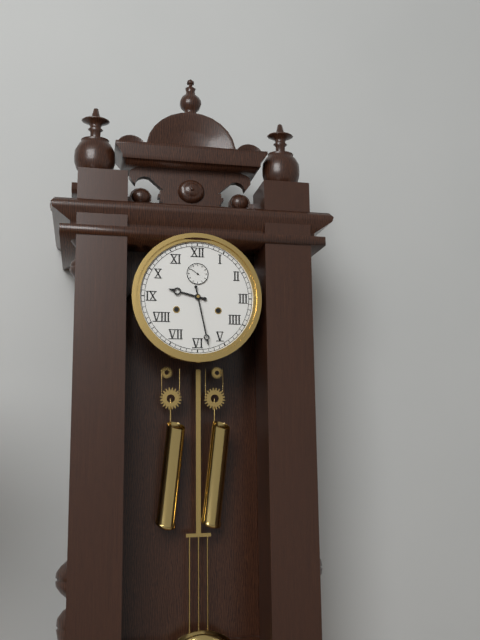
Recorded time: **9:28**
